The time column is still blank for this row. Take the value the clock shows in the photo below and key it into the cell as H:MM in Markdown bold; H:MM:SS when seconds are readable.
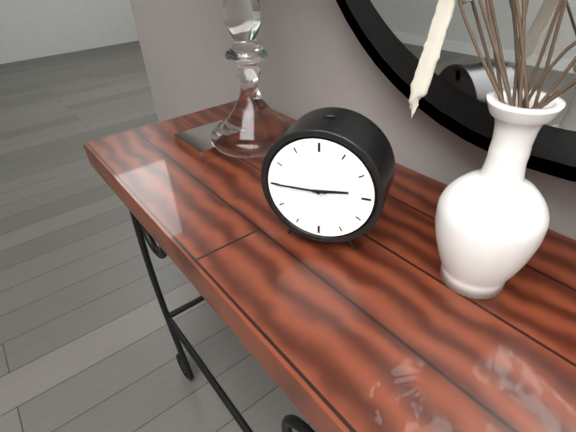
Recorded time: **2:45**
